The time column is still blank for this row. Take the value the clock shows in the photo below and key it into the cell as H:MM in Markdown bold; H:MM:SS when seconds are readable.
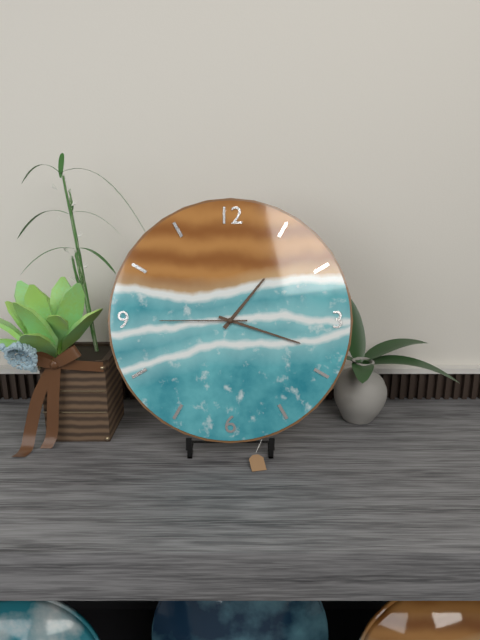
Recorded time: **1:18:45**
